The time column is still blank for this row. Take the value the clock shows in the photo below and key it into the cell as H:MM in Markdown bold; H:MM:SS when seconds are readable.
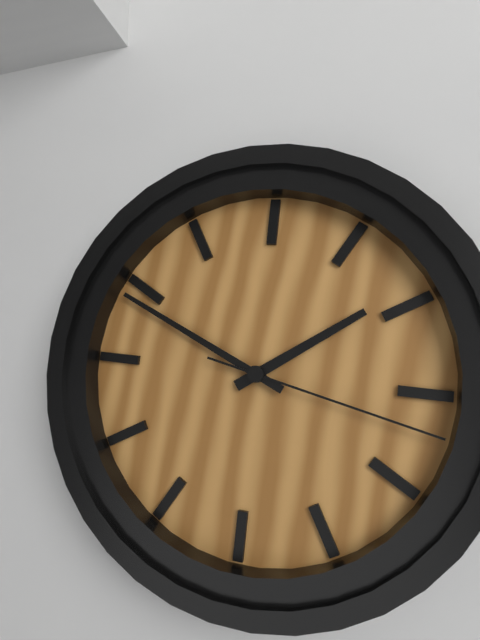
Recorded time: **1:49:17**
